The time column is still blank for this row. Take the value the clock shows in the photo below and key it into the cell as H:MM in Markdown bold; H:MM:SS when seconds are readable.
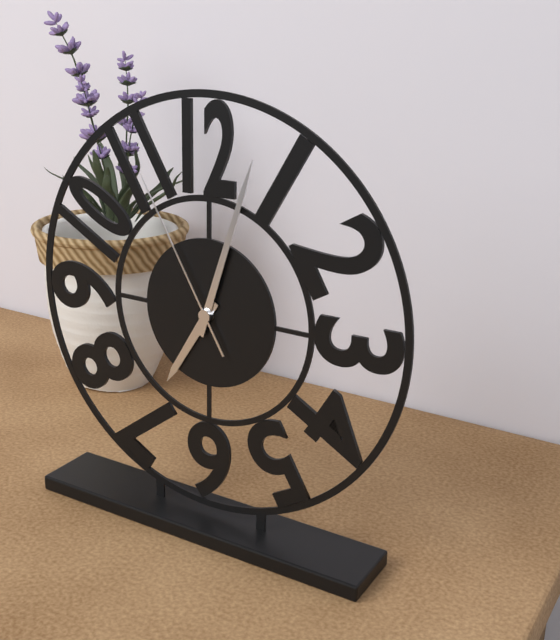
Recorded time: **7:03:55**
